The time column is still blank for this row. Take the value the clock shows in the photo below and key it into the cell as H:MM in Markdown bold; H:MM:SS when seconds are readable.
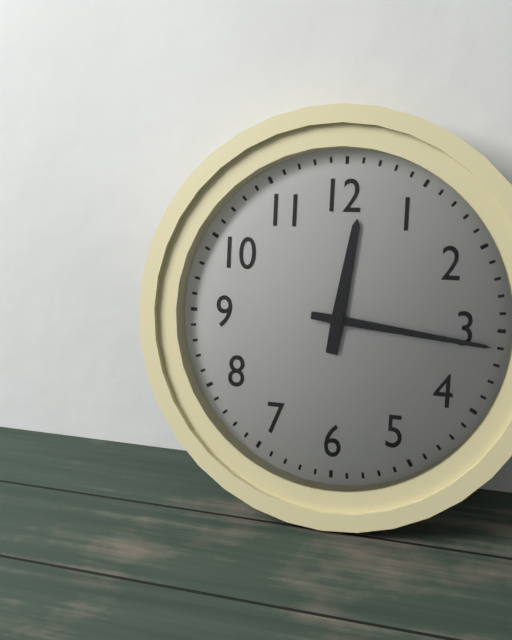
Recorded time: **12:16**
